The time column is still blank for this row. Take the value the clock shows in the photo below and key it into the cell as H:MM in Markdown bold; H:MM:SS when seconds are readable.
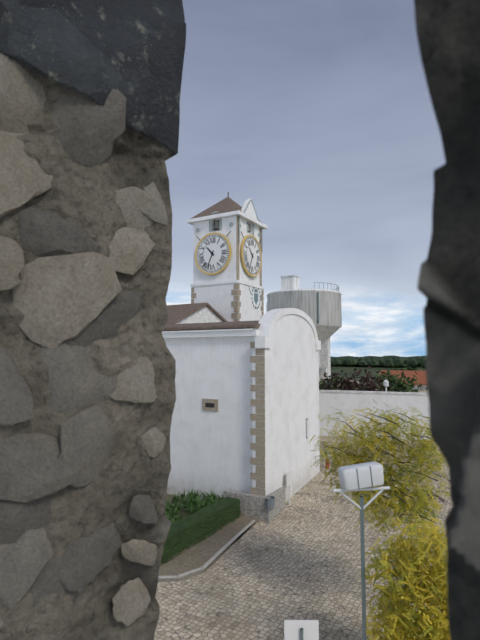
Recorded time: **10:34**
